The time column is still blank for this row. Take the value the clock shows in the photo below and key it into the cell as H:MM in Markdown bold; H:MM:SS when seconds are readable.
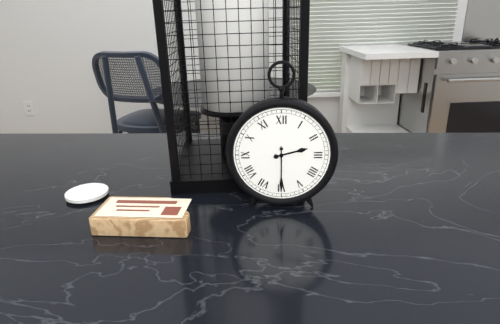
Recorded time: **2:30**
